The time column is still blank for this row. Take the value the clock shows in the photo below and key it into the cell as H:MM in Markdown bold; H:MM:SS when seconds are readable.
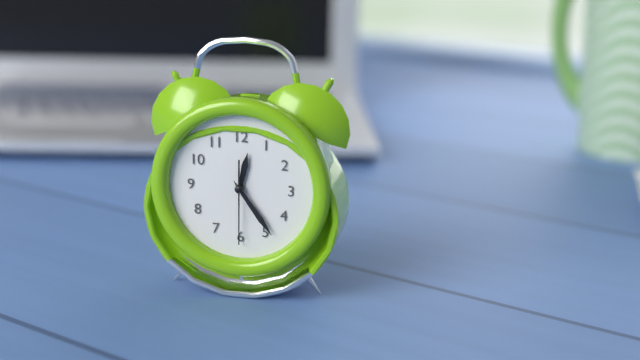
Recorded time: **12:24:30**
